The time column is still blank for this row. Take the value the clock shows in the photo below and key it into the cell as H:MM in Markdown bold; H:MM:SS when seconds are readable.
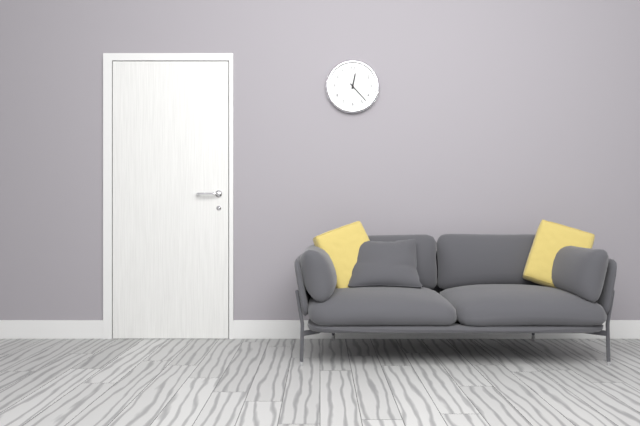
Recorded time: **12:23**
